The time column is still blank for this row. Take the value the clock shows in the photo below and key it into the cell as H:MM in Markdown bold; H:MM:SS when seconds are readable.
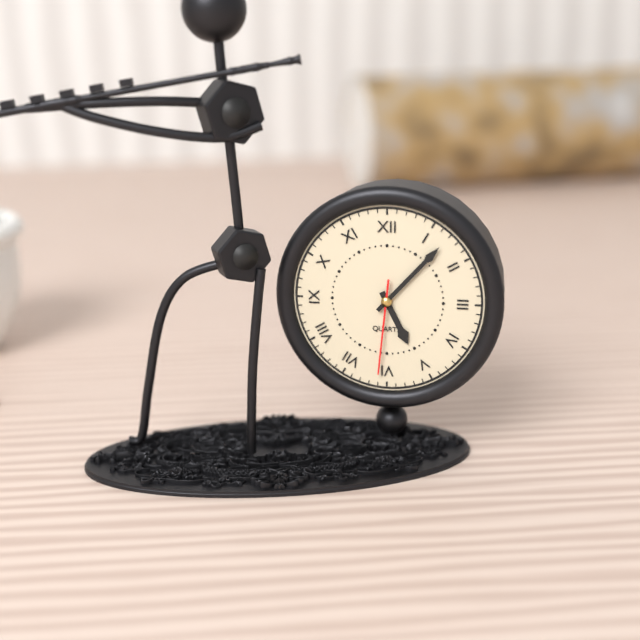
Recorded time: **5:07:31**
